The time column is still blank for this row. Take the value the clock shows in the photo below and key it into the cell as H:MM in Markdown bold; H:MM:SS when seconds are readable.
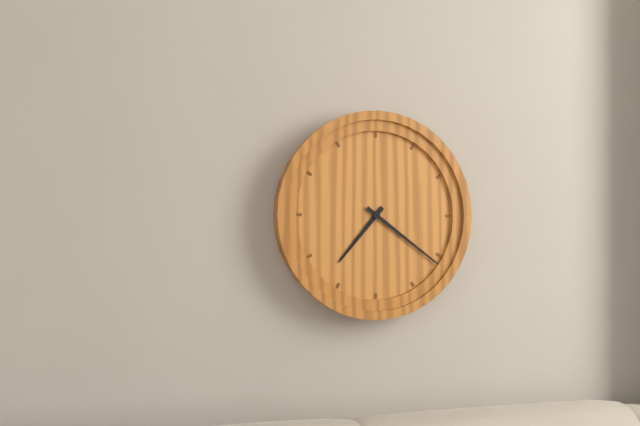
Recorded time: **7:21**
